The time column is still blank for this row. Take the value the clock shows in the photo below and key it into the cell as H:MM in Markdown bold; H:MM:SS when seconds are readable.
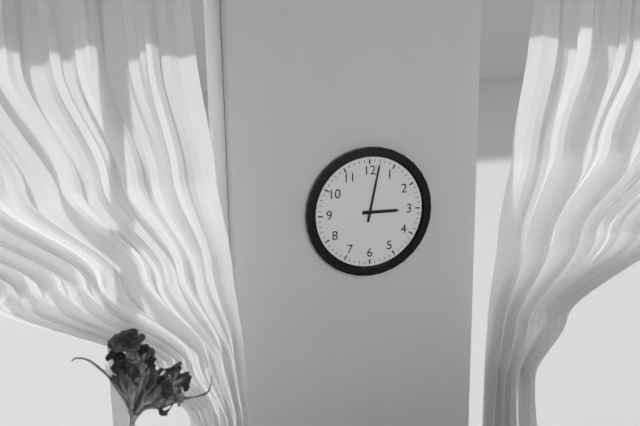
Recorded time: **3:02**
